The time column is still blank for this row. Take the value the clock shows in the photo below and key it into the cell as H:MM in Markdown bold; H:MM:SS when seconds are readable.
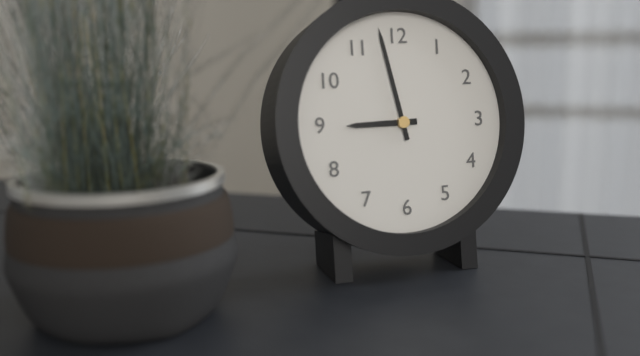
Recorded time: **8:58**
